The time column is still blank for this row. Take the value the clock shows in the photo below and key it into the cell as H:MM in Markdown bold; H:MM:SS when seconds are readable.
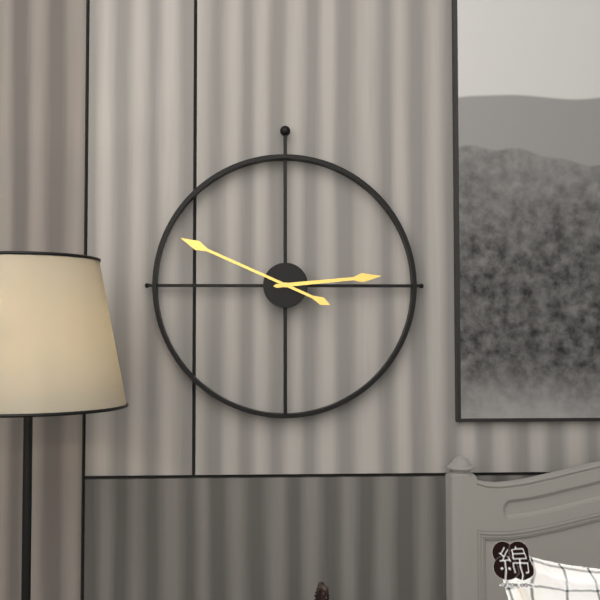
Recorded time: **2:49**
